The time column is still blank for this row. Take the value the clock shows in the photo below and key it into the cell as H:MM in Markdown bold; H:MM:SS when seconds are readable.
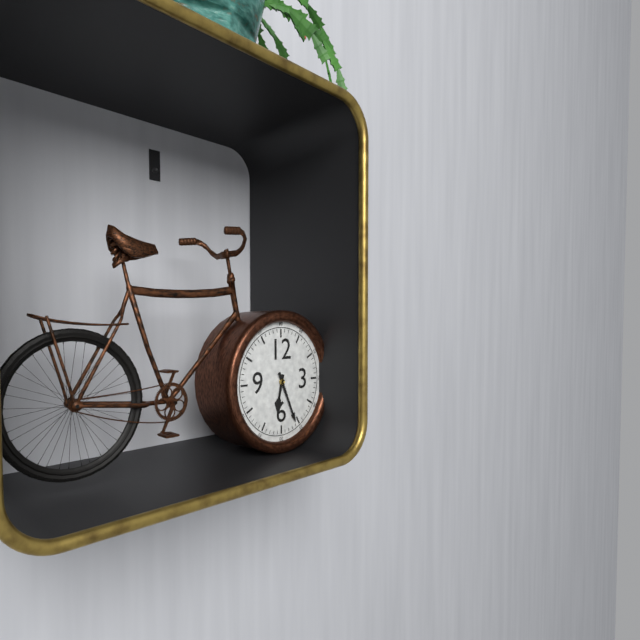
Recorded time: **6:26**
